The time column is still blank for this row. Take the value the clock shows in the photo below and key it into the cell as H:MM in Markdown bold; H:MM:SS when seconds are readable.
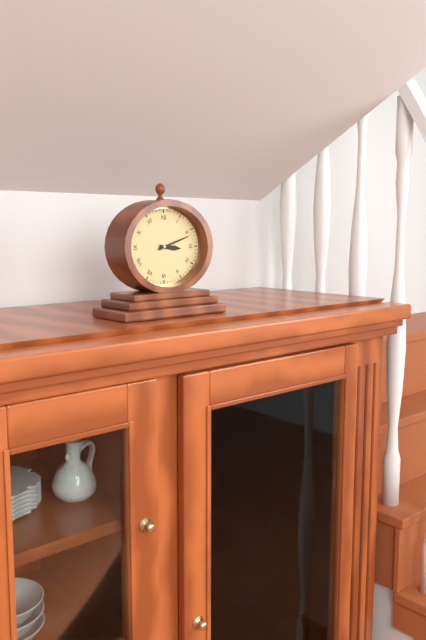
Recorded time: **3:12**
